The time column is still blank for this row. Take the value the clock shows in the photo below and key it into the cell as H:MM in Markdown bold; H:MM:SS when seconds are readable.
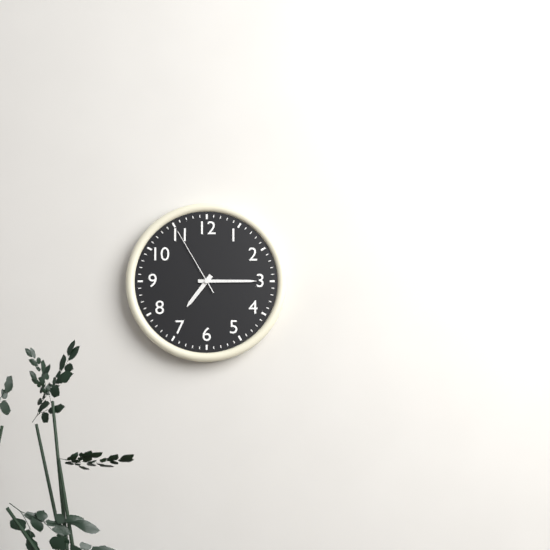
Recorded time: **7:15:55**
